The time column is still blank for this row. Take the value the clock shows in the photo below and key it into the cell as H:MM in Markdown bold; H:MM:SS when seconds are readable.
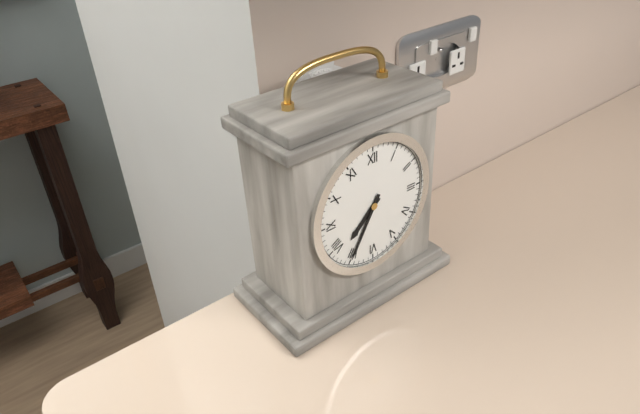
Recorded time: **7:35**
